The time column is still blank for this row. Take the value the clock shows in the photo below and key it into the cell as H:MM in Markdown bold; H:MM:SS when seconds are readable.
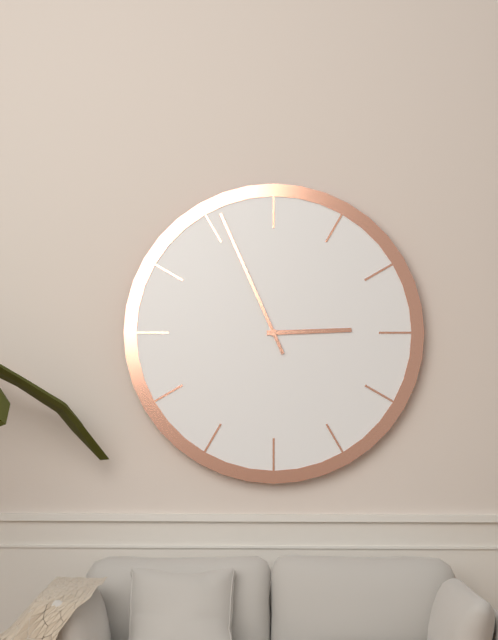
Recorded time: **2:56**
